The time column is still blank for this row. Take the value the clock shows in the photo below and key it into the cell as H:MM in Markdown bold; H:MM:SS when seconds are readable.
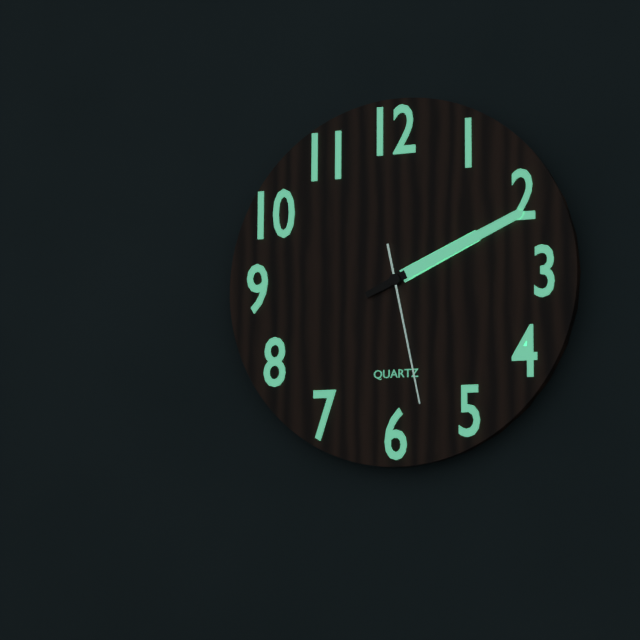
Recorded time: **2:11:28**
